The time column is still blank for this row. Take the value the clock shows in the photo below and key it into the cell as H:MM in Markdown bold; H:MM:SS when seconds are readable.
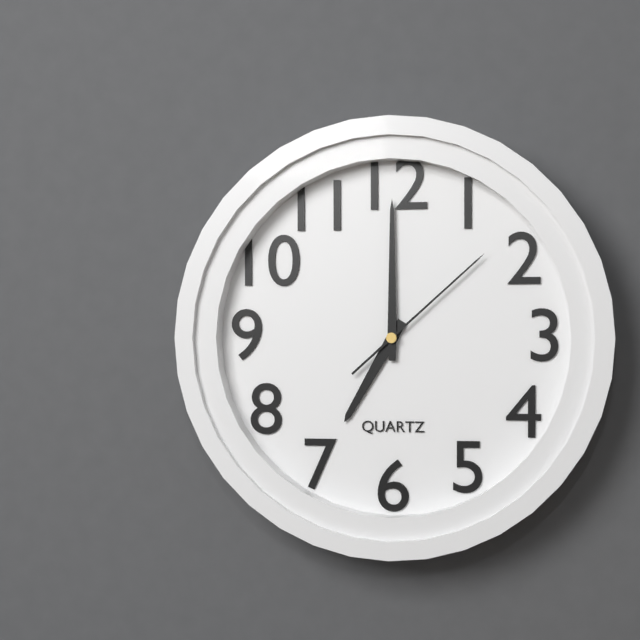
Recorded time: **7:00:08**
